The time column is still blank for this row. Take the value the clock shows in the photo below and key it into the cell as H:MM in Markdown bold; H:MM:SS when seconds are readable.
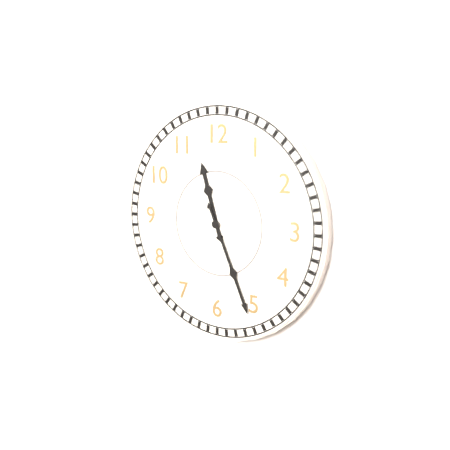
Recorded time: **11:26**
